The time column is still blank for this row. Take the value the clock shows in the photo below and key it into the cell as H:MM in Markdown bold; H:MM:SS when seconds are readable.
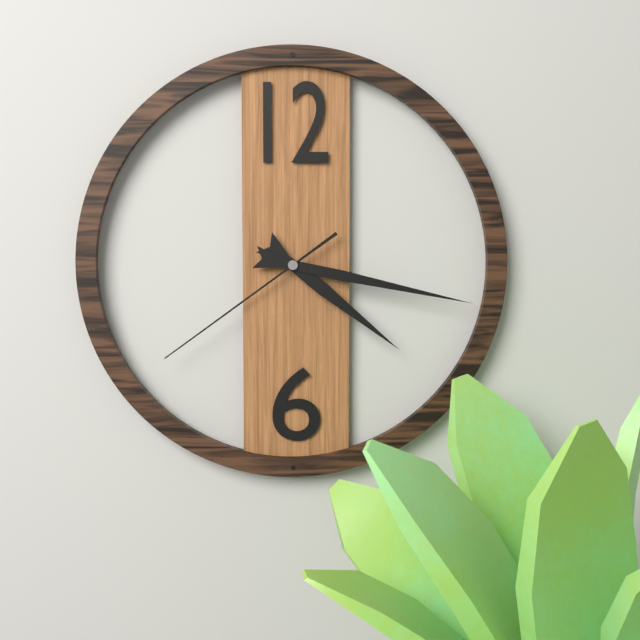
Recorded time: **4:17:39**
